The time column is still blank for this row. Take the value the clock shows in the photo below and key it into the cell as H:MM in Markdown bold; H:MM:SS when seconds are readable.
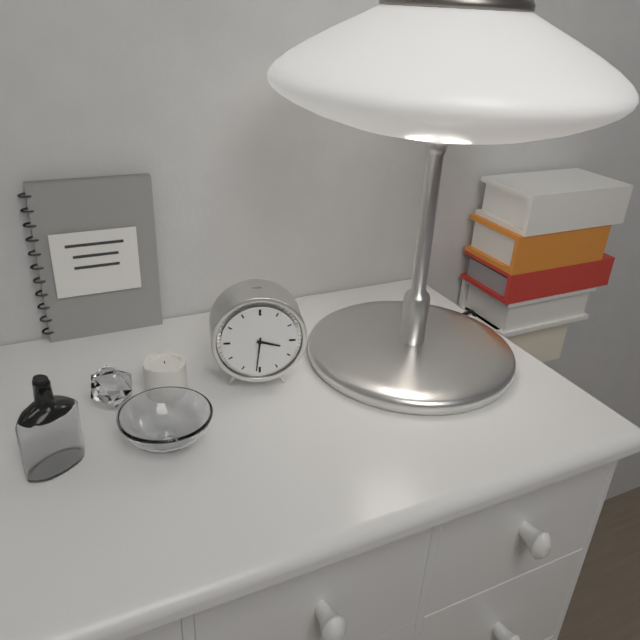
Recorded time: **3:31**
